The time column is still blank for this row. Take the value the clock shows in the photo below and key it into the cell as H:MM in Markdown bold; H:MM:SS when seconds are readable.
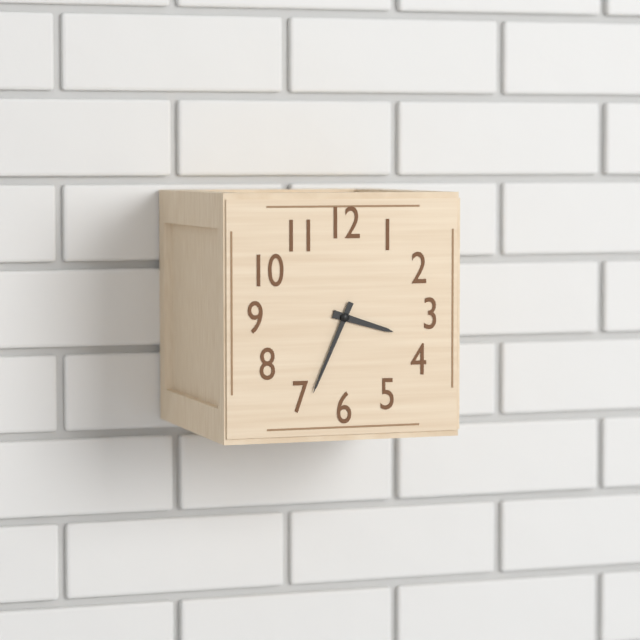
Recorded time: **3:34**
